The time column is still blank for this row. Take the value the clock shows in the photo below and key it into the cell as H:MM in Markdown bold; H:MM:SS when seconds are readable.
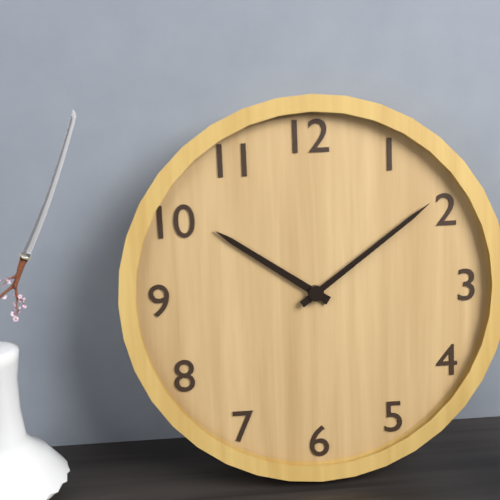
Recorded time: **10:09**
